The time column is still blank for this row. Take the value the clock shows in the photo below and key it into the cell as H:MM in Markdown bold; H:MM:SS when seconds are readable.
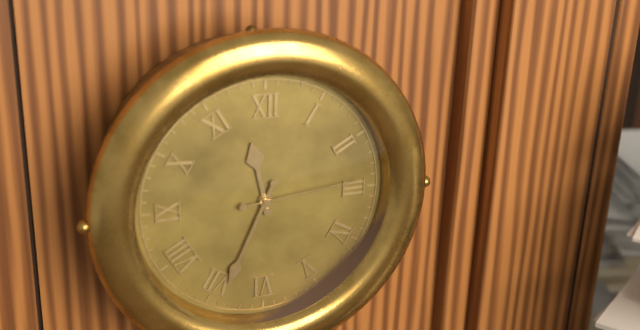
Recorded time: **11:34:14**
